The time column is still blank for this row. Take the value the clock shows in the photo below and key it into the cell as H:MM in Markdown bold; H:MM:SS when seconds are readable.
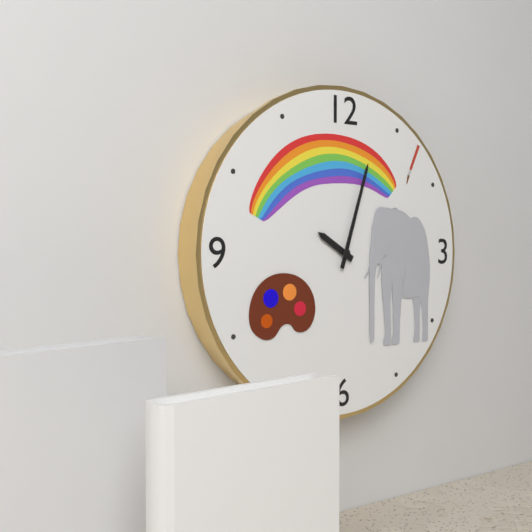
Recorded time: **10:03**
